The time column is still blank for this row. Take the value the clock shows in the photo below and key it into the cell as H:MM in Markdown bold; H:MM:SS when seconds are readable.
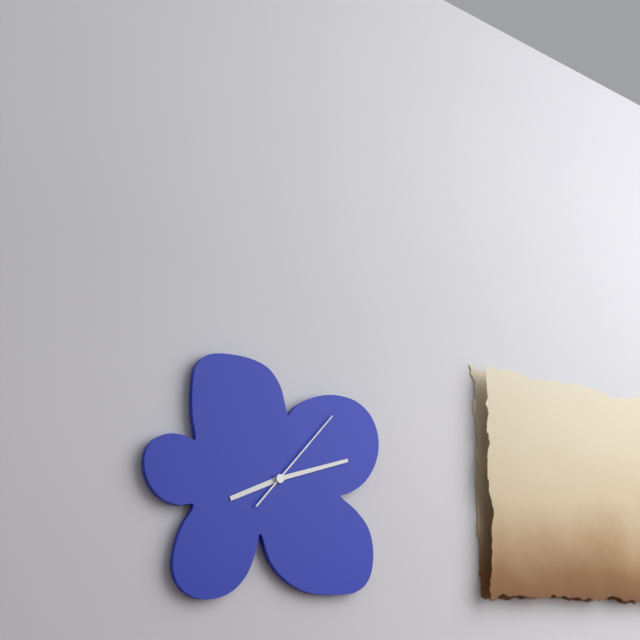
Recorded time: **8:12:07**
